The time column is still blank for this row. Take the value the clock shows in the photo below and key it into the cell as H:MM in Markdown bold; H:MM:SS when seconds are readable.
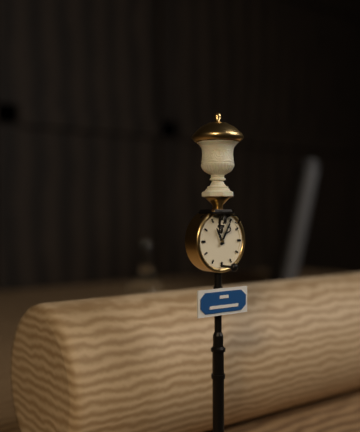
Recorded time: **11:05**
